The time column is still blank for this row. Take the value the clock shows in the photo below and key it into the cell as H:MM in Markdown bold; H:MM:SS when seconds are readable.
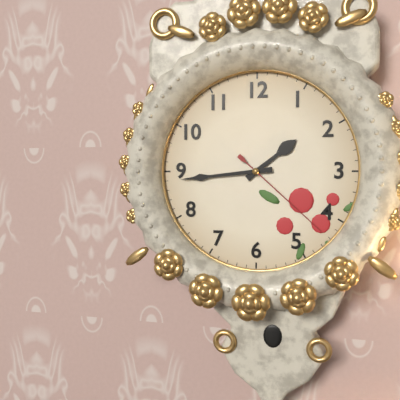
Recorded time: **1:44:22**
